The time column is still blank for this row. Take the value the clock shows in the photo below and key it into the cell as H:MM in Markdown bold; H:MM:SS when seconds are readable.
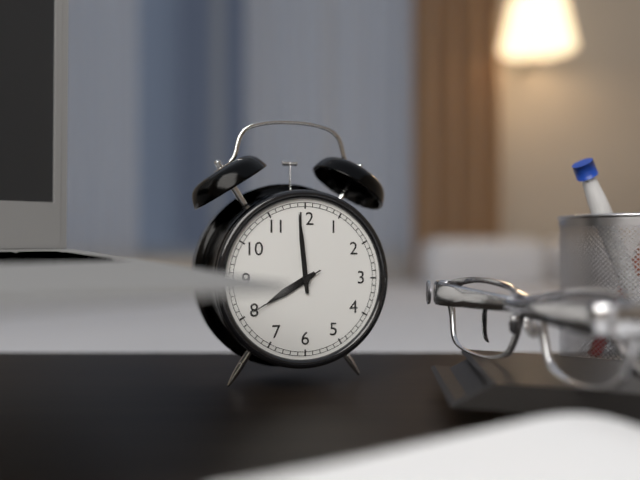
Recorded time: **7:59:40**
